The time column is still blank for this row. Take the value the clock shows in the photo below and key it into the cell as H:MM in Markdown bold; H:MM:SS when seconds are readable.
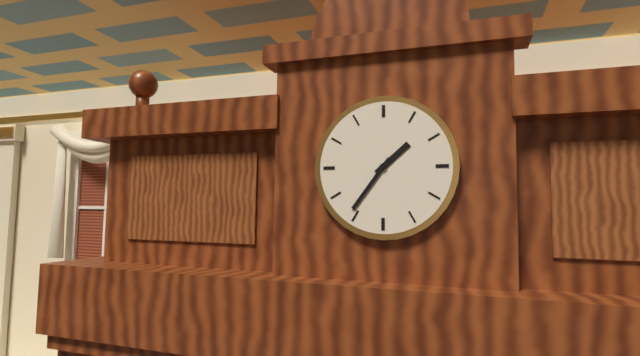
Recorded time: **1:36**
